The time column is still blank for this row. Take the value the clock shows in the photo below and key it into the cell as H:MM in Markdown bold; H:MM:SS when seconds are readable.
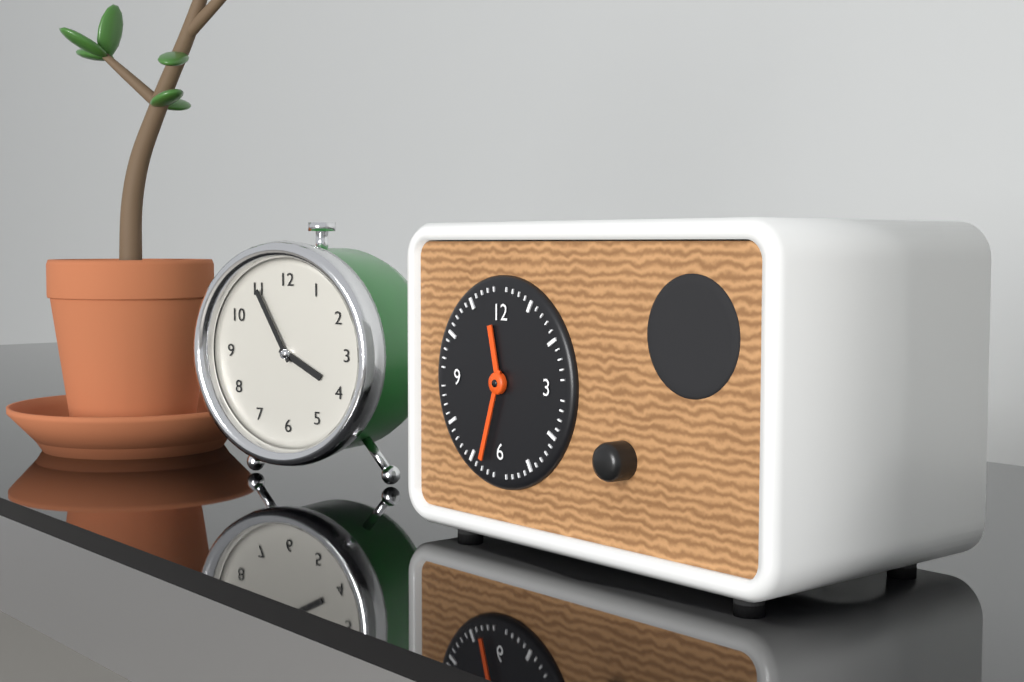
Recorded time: **11:33**
